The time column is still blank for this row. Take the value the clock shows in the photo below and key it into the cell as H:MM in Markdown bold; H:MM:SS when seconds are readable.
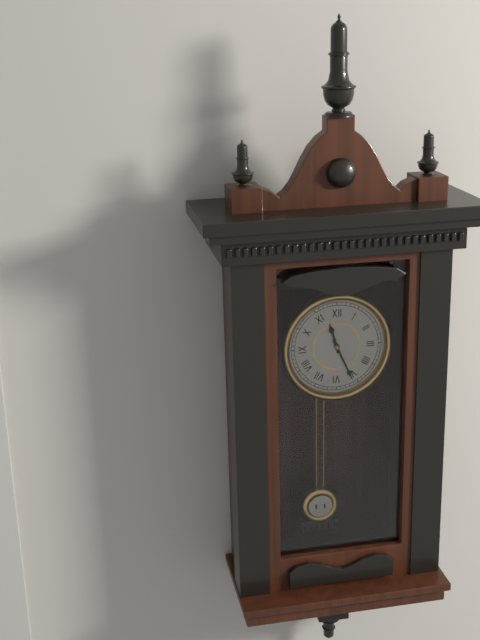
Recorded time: **11:26**
